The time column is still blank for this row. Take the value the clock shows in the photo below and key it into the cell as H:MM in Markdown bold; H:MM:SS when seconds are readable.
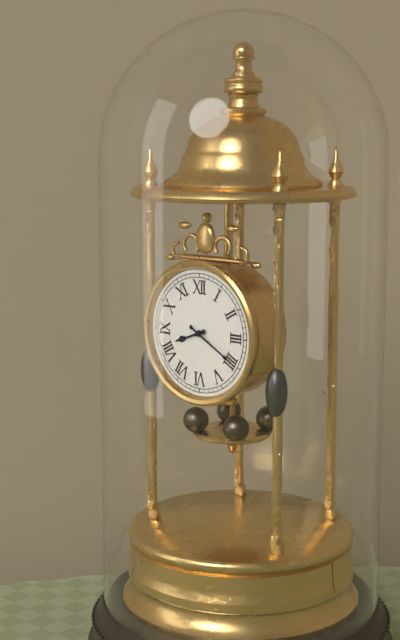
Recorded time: **8:20**
